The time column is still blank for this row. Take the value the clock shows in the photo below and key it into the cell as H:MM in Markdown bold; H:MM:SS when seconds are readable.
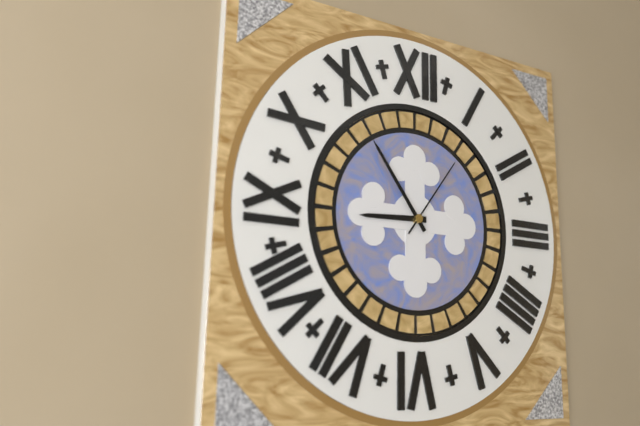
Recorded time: **8:54:06**
